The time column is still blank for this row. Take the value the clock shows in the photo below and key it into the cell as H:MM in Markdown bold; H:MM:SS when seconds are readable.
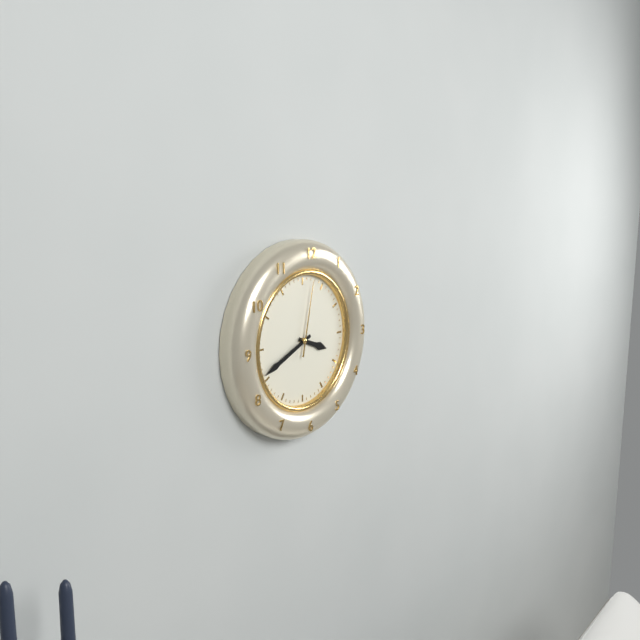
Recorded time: **3:41:02**
